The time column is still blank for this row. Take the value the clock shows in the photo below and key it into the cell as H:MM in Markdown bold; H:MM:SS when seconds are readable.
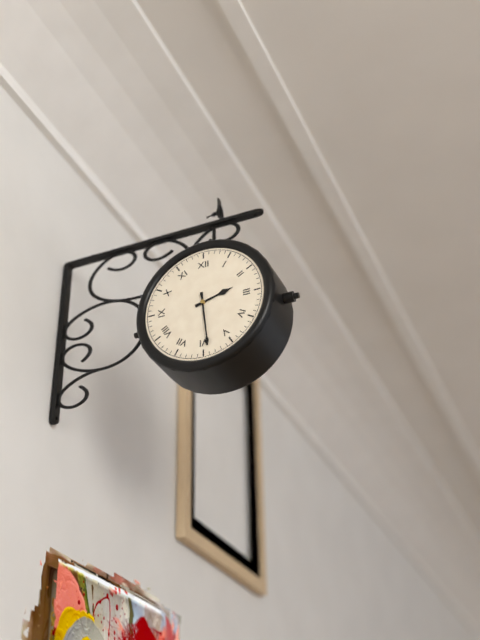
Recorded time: **2:29**
